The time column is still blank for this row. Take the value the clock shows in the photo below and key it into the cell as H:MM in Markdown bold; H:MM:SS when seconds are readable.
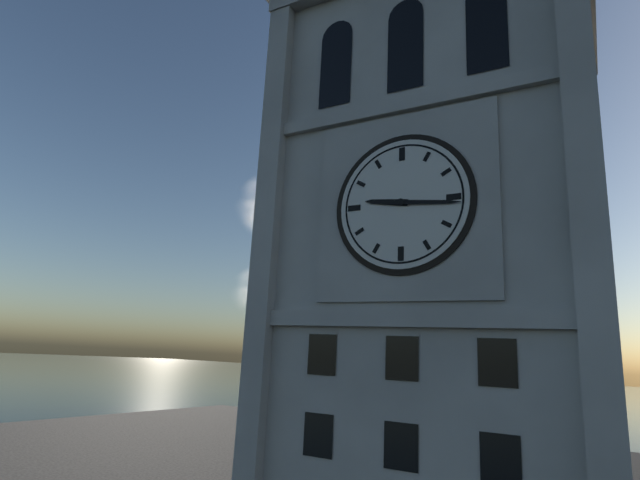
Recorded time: **9:16**
